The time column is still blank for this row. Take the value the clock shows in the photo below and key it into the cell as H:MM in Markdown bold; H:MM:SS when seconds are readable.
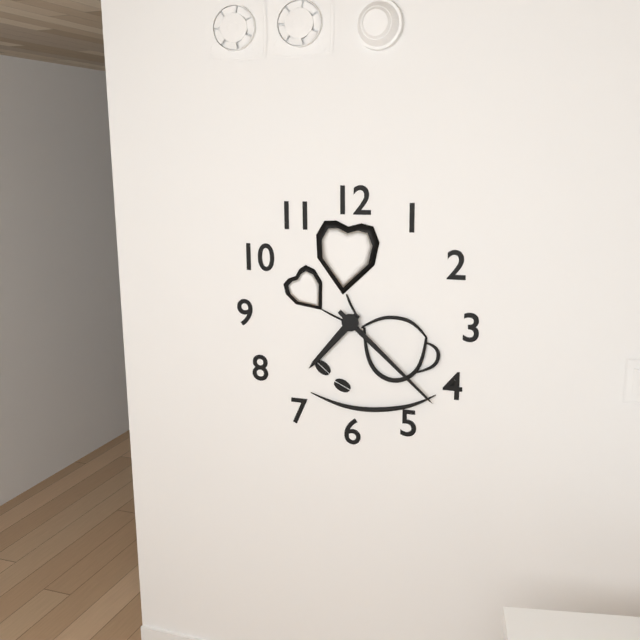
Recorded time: **7:22**
